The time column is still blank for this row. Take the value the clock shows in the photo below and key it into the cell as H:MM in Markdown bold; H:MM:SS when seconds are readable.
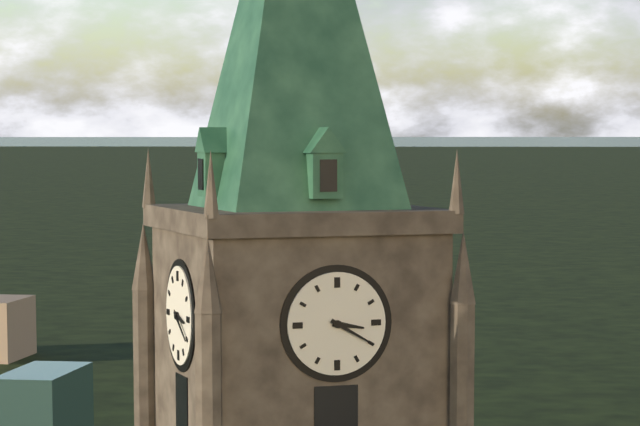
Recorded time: **3:20**
